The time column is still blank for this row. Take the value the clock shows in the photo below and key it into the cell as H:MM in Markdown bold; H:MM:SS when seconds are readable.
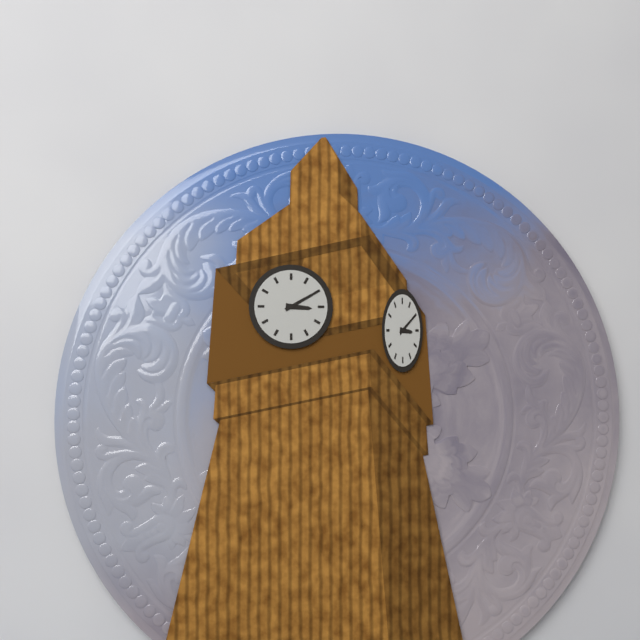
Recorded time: **3:10**
